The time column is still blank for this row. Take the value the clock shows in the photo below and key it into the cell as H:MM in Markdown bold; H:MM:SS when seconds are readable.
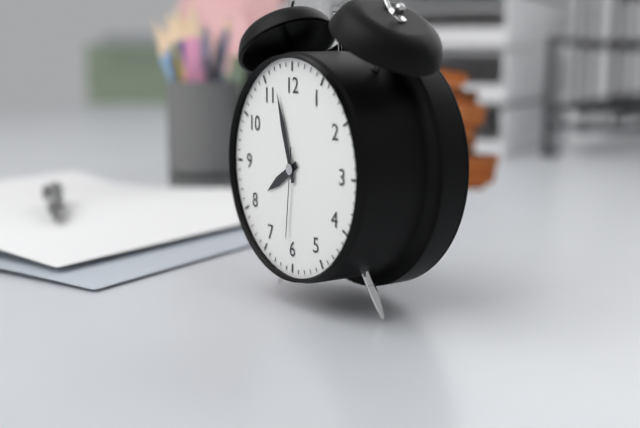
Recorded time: **7:57:31**
